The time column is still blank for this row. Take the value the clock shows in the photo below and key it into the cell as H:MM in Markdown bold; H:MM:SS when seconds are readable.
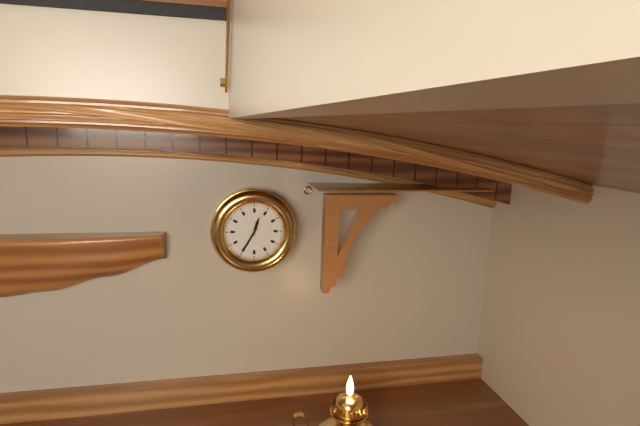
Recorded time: **12:35**
